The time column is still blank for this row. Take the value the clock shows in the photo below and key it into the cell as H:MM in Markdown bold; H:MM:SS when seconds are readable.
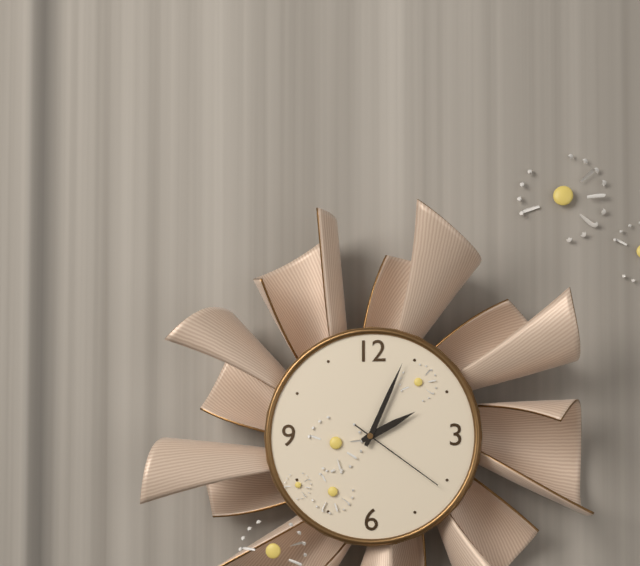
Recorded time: **2:04:21**
